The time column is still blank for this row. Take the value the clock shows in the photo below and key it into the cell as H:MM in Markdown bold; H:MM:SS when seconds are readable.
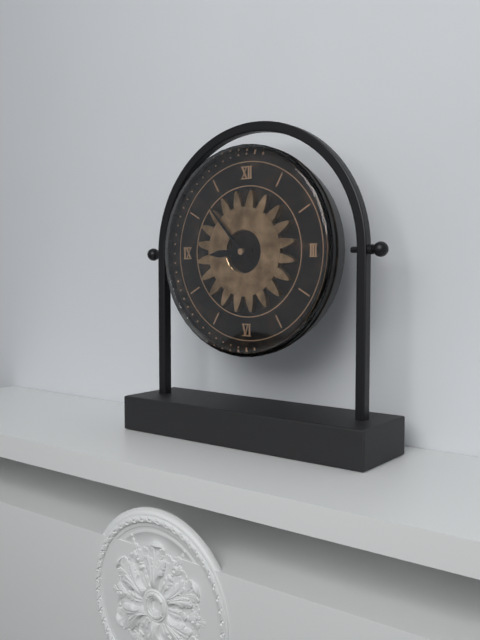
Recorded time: **8:53**
